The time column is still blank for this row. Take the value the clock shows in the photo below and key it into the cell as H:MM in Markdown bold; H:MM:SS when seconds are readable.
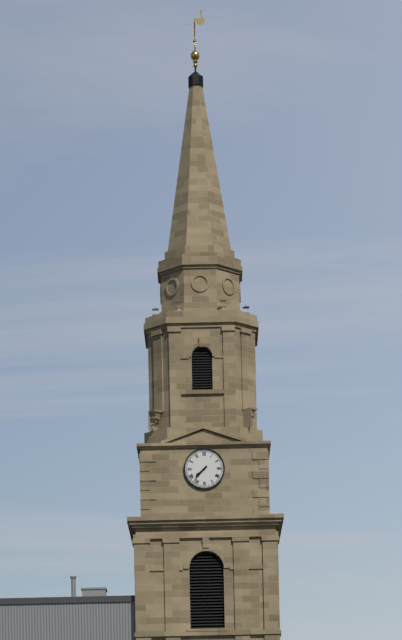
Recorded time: **7:37**
